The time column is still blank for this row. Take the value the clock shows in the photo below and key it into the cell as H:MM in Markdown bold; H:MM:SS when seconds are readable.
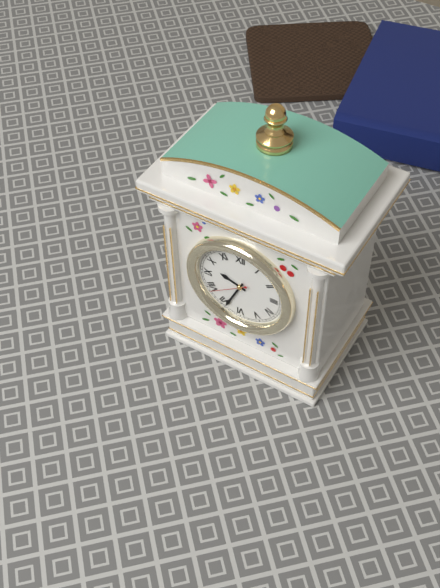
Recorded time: **9:34**
